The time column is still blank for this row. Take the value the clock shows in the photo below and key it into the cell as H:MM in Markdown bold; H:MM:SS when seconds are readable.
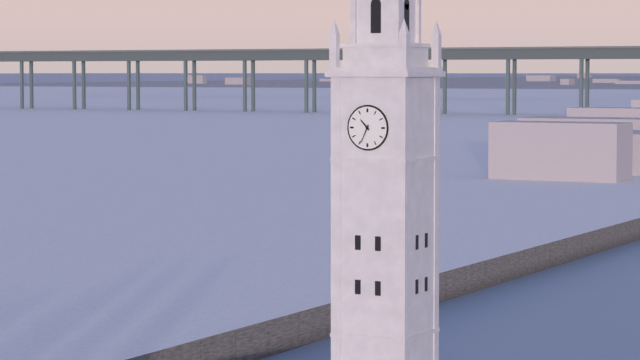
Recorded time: **10:34**
